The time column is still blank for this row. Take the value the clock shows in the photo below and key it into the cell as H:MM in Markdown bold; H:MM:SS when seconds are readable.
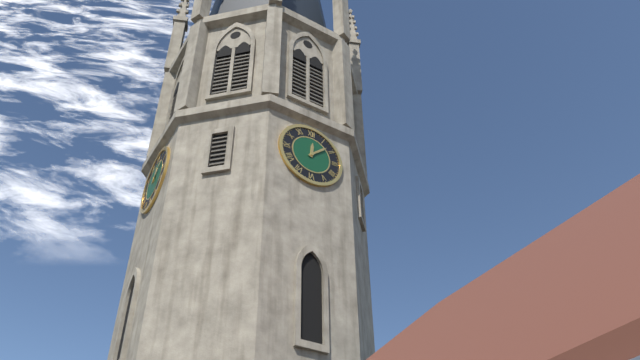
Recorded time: **12:08**
